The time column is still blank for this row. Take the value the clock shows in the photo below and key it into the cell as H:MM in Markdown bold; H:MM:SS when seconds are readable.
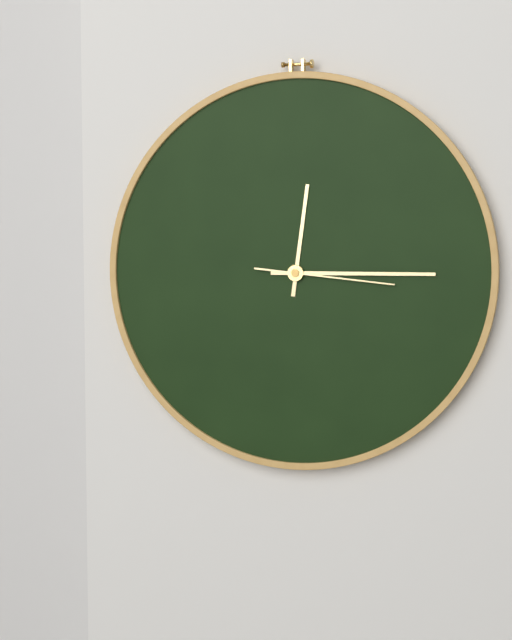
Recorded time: **12:15:16**
